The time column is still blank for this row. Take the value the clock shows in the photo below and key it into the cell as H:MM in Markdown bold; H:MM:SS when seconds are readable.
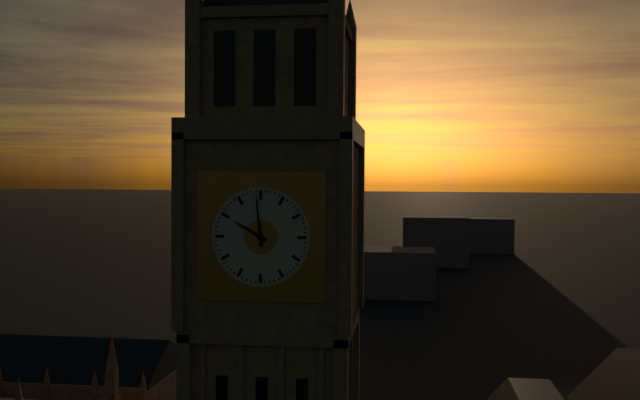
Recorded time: **9:59**
